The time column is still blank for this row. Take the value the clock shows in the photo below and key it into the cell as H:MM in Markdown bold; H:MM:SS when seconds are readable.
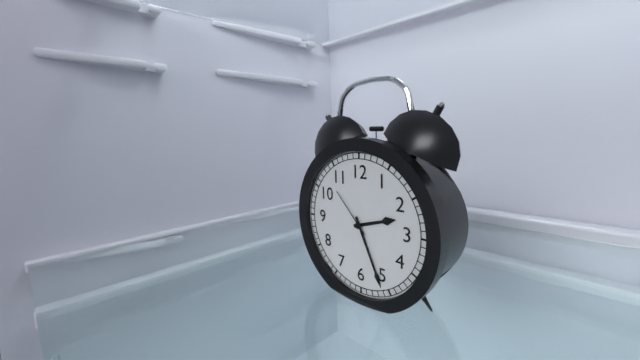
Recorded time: **2:26:53**
